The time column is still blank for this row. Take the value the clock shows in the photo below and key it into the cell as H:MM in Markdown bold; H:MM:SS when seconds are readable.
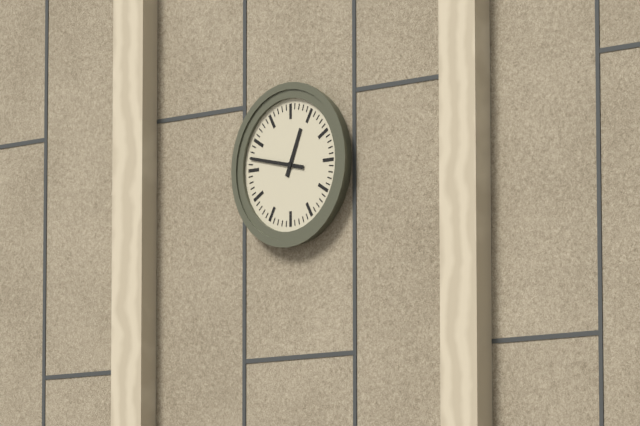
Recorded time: **12:47**
